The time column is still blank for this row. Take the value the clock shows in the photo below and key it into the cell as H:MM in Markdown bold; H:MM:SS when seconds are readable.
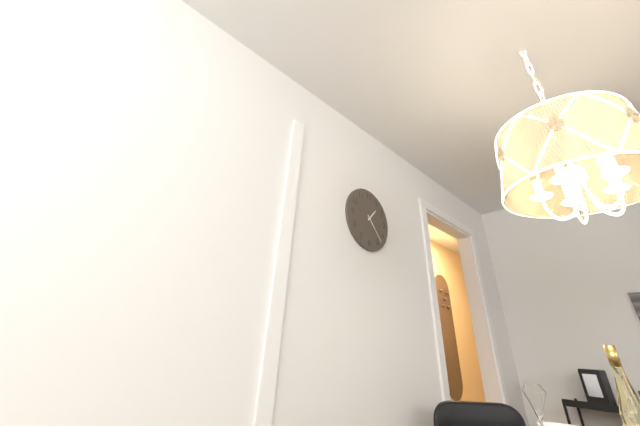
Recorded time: **1:23**
